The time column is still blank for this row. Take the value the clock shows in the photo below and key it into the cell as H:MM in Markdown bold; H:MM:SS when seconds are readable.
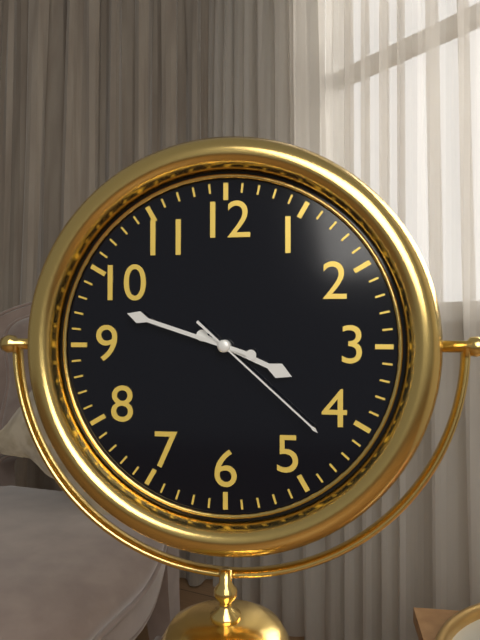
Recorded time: **3:48:22**
